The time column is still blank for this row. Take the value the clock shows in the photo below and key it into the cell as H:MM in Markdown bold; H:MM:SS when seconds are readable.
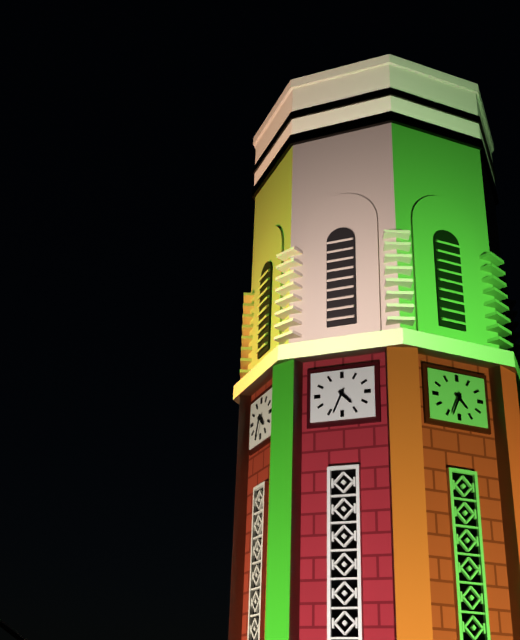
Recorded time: **4:34**
